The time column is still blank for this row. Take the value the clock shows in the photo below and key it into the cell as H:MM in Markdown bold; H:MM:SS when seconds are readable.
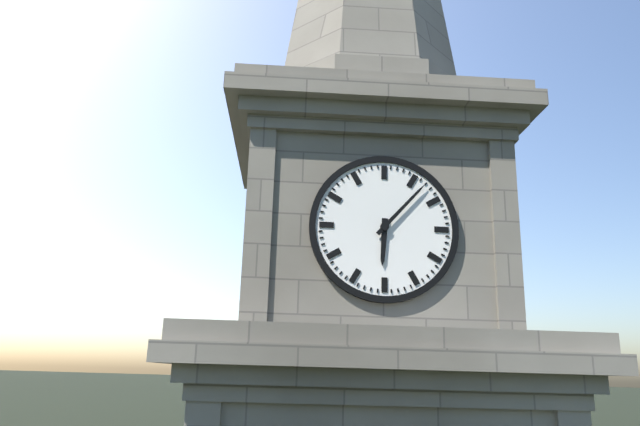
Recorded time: **6:07**
